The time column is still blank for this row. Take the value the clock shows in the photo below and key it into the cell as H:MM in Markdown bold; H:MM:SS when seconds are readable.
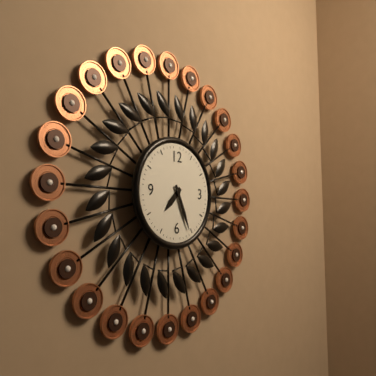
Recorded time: **7:26**
